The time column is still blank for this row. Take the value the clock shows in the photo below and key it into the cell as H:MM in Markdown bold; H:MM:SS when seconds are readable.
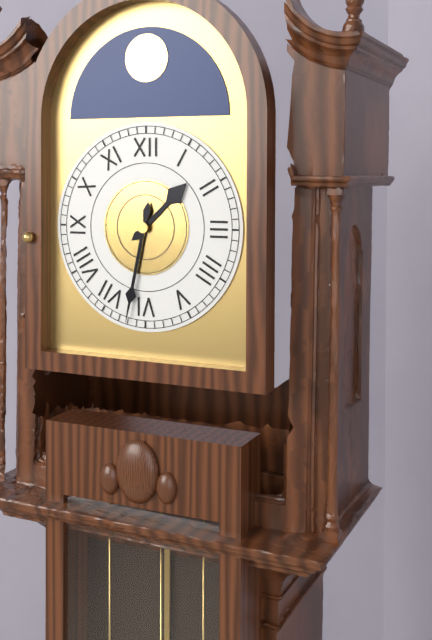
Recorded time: **1:32**
